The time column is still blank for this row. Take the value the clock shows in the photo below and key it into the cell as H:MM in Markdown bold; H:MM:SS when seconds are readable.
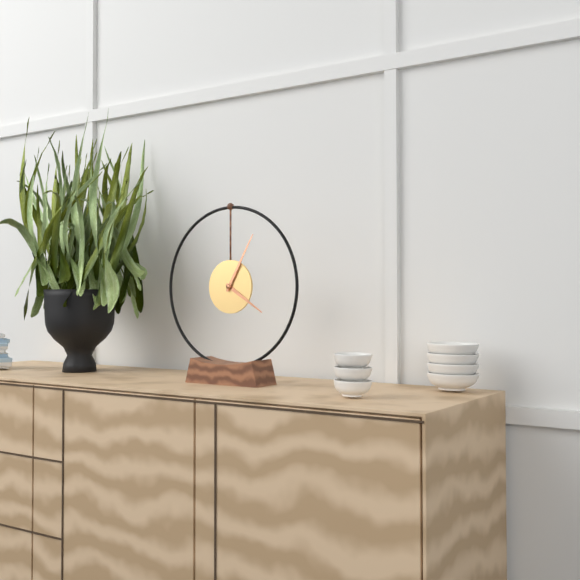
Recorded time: **4:05**
